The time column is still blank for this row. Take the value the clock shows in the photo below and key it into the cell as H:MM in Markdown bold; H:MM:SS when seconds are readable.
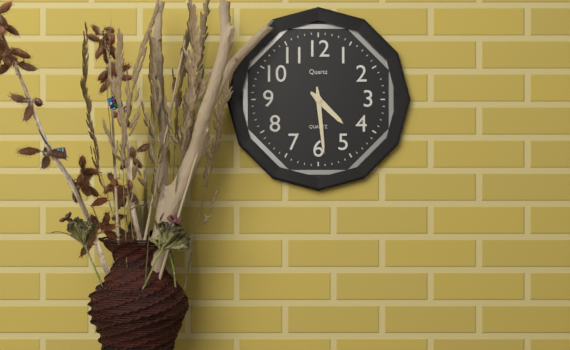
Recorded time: **4:29**
